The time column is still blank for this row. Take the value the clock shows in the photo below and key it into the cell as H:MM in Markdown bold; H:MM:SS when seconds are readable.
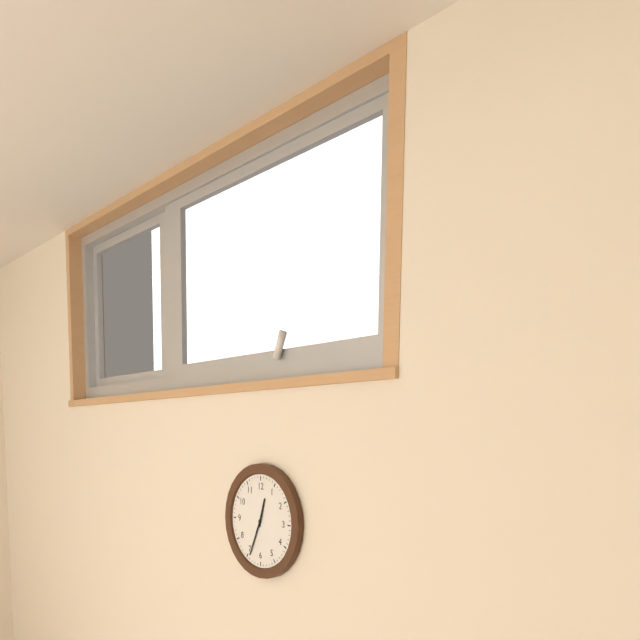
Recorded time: **12:34**
